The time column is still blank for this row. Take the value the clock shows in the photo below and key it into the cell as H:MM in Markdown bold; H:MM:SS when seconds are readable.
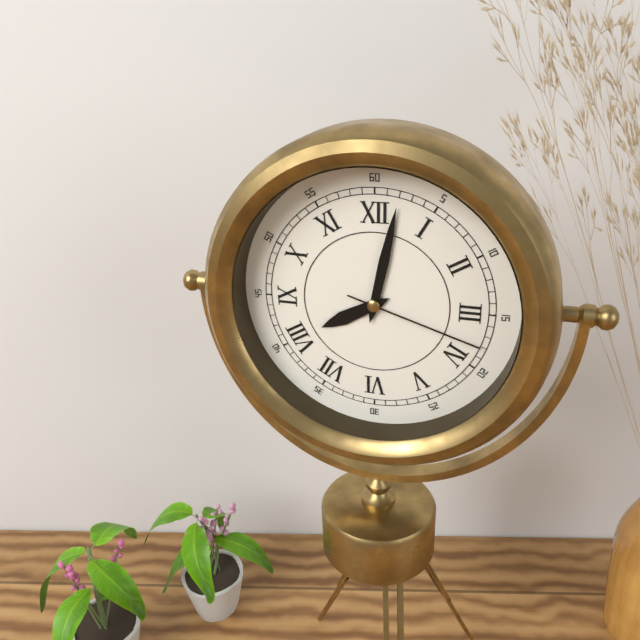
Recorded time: **8:02:18**
